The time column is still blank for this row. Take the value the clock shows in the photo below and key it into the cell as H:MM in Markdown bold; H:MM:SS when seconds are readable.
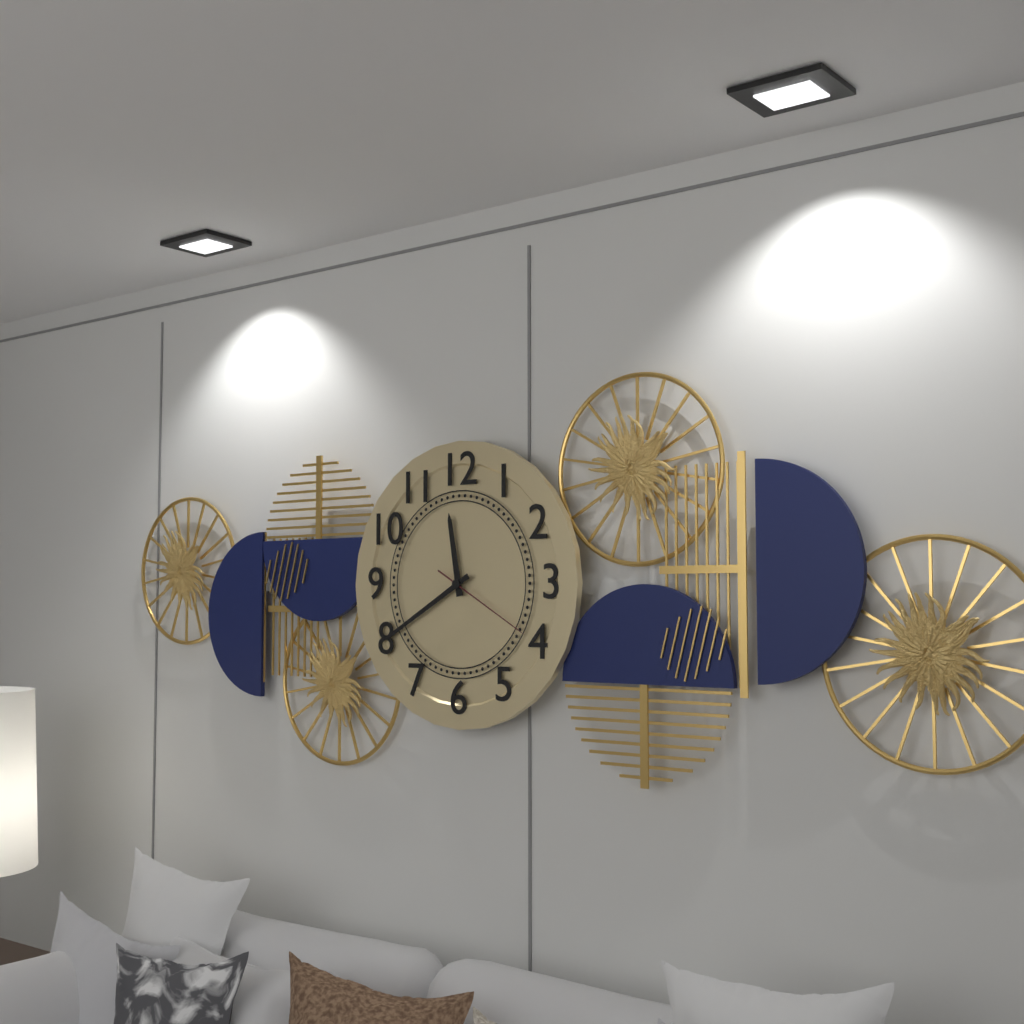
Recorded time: **11:40:20**
